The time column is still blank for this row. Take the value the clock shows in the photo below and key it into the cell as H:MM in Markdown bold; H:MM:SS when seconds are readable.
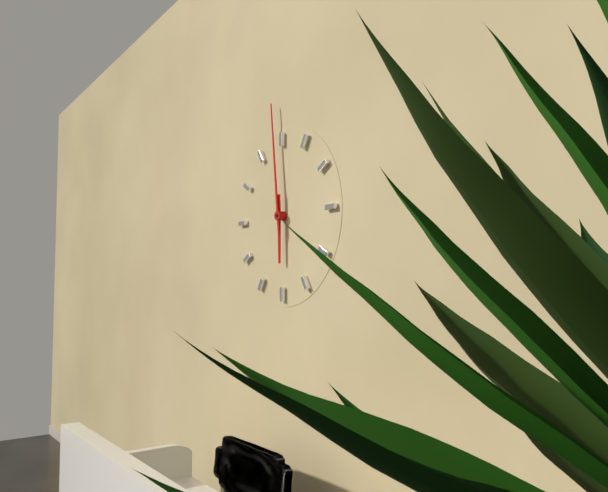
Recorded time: **5:59**
